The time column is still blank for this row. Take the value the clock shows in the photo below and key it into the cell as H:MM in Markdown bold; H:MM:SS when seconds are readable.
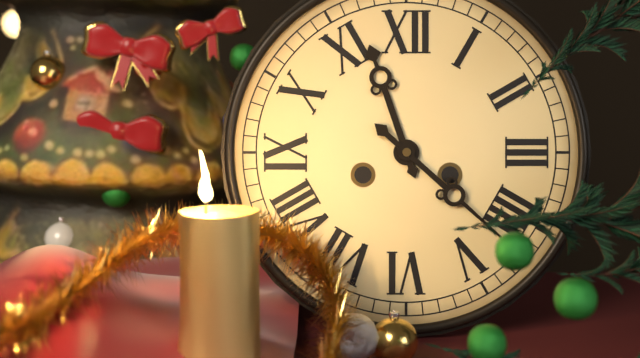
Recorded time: **11:22**
